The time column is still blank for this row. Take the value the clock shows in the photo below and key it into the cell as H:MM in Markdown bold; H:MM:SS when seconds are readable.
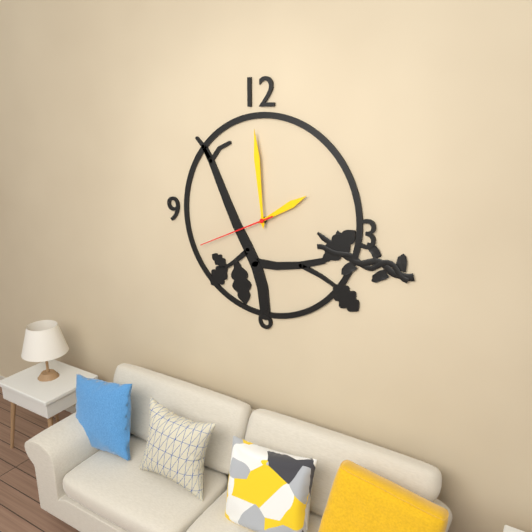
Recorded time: **1:59:41**
